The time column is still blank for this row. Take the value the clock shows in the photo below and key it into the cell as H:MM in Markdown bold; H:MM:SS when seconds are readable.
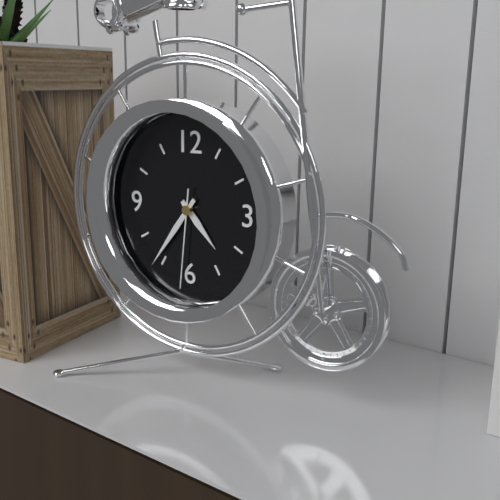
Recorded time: **4:36:31**
